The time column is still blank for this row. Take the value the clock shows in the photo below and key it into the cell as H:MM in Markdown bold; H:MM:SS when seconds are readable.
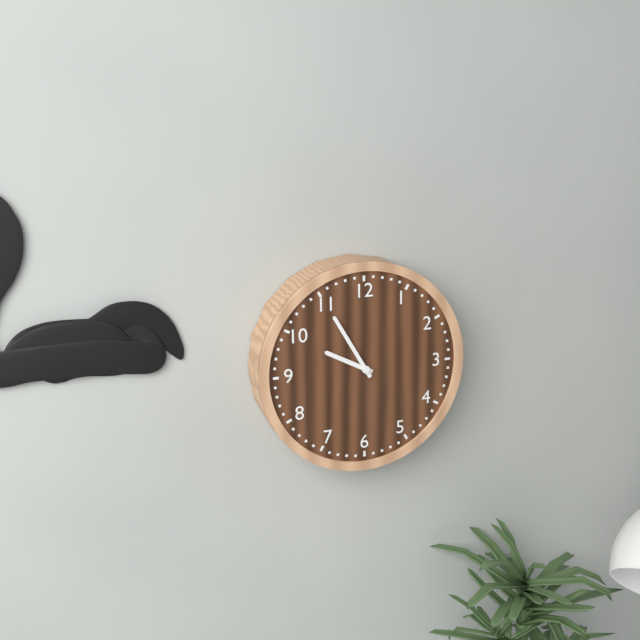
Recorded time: **9:55**
